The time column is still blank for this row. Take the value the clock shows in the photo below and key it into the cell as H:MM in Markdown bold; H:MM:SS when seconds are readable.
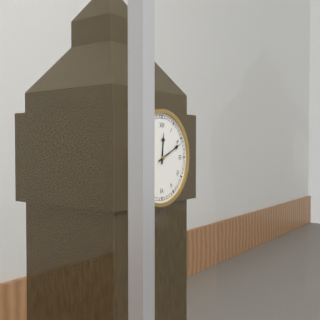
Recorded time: **12:11**
